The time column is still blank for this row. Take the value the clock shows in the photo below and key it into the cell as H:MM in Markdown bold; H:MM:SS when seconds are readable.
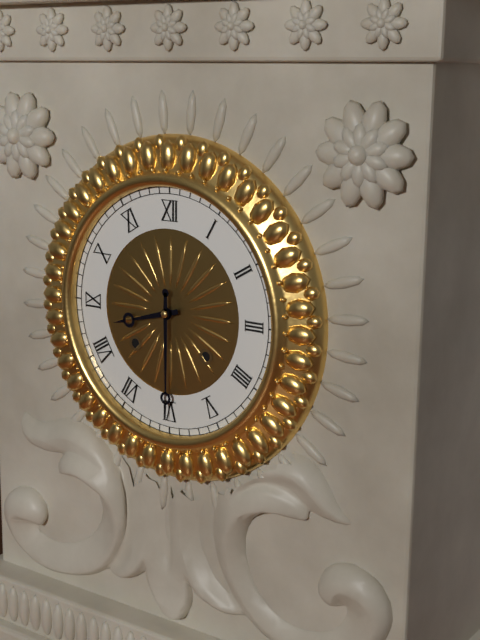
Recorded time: **8:30**
